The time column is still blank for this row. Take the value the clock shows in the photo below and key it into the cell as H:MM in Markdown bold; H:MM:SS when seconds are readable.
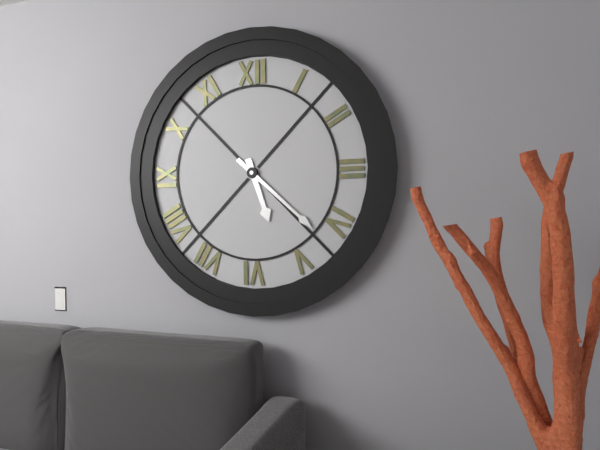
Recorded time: **5:22**
